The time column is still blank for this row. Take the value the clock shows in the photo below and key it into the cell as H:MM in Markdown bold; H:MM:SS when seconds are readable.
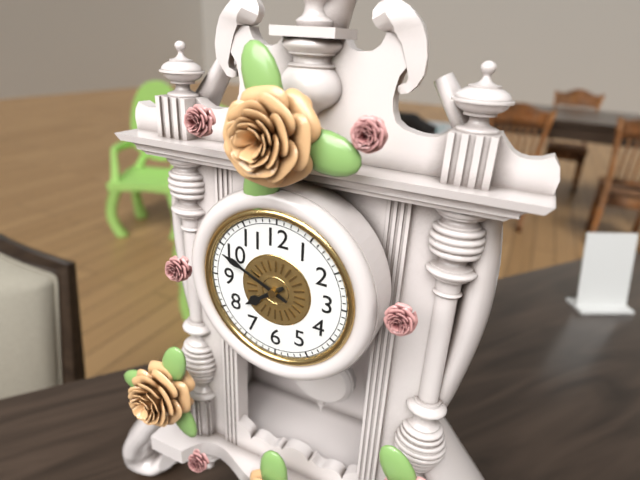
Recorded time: **7:49**
